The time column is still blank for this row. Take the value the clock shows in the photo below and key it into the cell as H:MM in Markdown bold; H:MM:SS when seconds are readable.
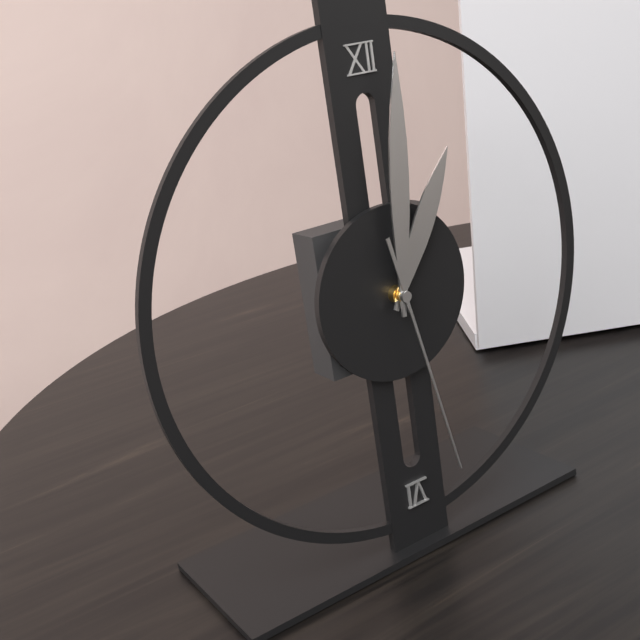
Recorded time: **1:01:28**
